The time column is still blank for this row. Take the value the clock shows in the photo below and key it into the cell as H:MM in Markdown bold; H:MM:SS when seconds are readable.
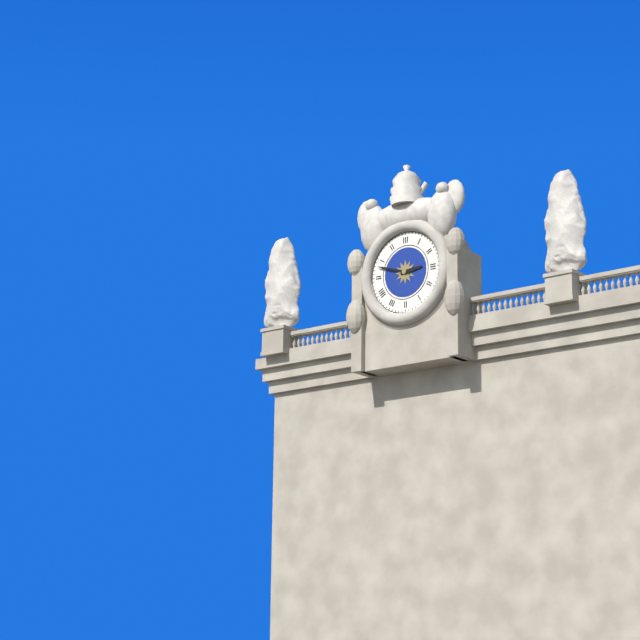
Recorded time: **2:48**
